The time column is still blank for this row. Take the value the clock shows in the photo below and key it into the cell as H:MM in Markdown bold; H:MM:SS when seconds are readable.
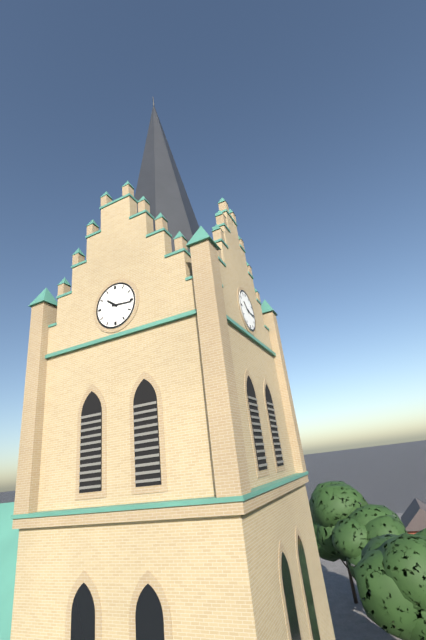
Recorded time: **10:16**
